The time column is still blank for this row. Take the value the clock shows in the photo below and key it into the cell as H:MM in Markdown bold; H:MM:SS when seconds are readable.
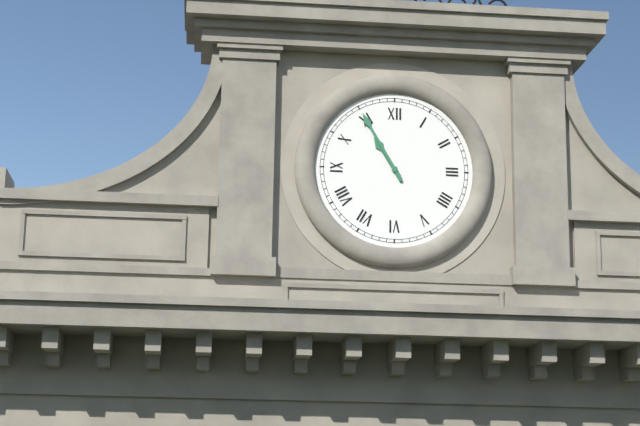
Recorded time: **10:55**
